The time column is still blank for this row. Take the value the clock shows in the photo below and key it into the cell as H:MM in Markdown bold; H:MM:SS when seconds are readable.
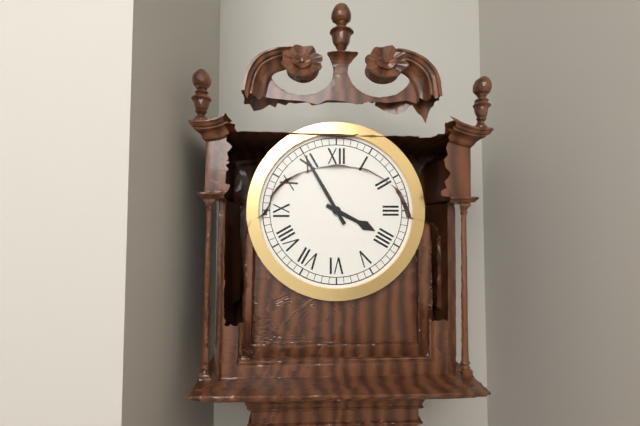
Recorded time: **3:55**
